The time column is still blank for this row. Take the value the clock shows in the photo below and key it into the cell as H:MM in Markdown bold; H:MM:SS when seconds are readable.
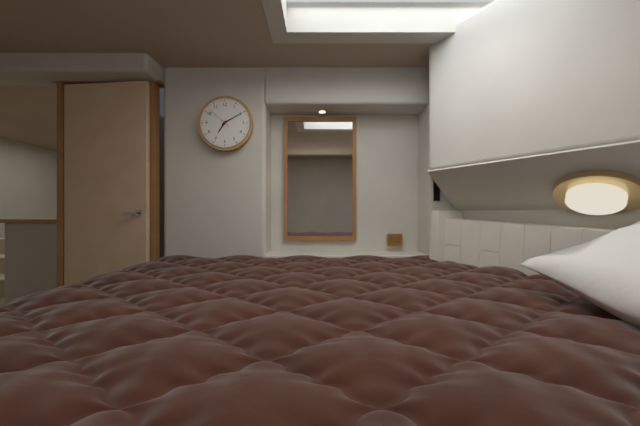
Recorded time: **7:10**
